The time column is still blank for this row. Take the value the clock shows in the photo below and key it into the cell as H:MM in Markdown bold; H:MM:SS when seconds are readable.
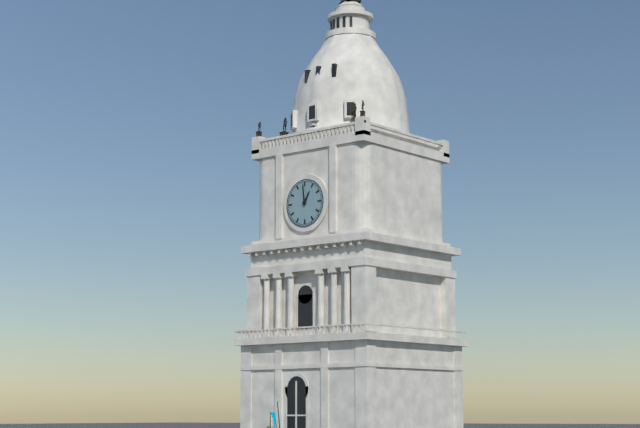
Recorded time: **12:59**
